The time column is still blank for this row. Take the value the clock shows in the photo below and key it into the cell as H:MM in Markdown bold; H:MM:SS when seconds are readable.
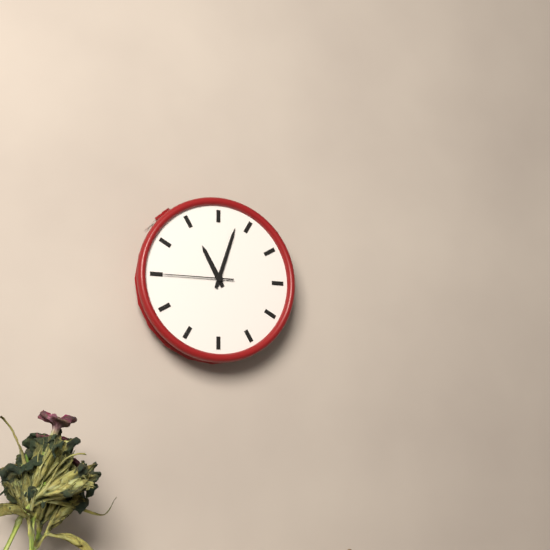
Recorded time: **11:03:45**
